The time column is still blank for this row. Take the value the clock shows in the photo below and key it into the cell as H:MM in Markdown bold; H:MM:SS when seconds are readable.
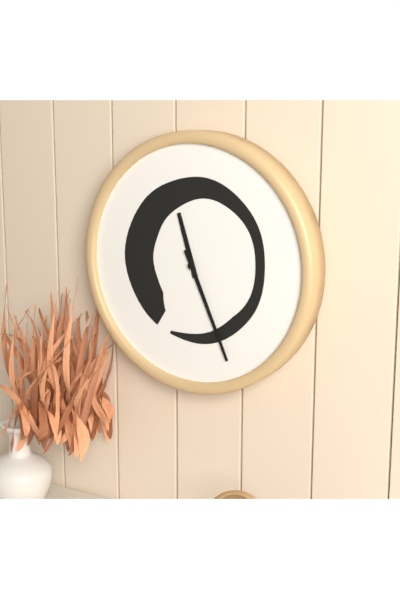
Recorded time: **11:26**
